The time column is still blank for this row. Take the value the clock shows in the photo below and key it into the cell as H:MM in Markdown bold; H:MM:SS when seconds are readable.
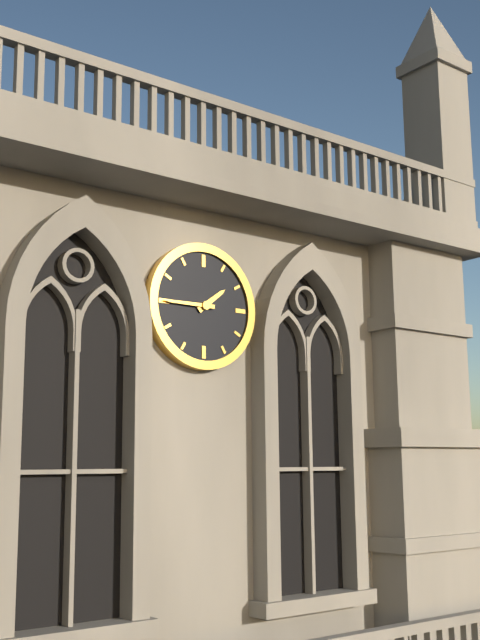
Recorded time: **1:45**
